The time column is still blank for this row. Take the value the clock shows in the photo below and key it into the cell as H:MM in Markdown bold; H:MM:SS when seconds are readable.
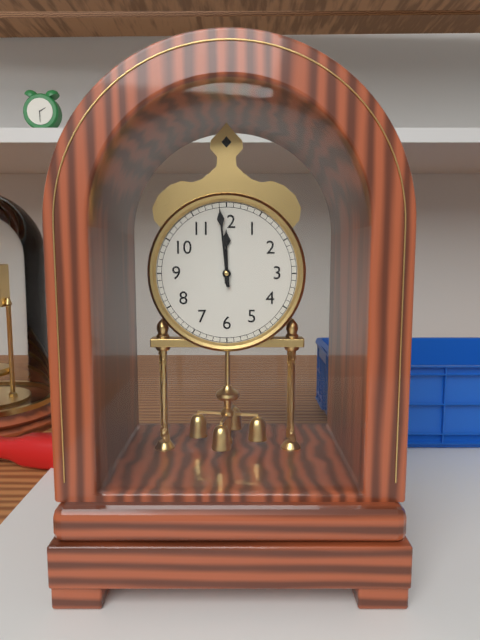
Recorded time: **11:59**
